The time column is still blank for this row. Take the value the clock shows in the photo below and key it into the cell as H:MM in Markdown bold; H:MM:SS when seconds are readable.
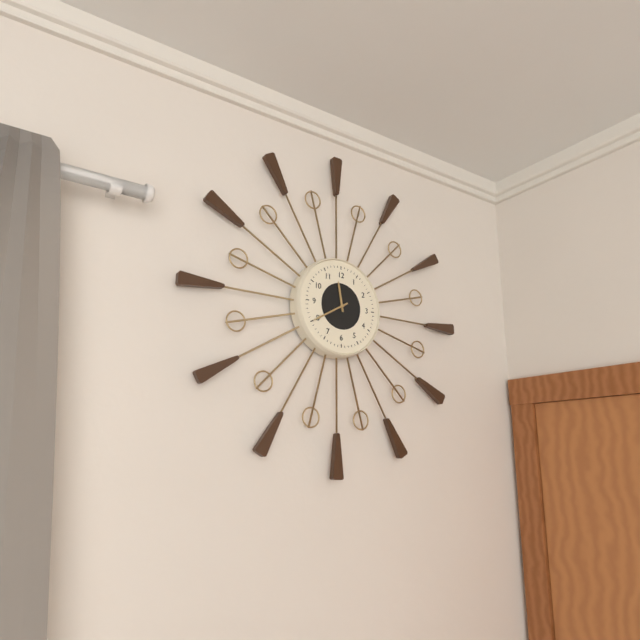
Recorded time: **11:40**
